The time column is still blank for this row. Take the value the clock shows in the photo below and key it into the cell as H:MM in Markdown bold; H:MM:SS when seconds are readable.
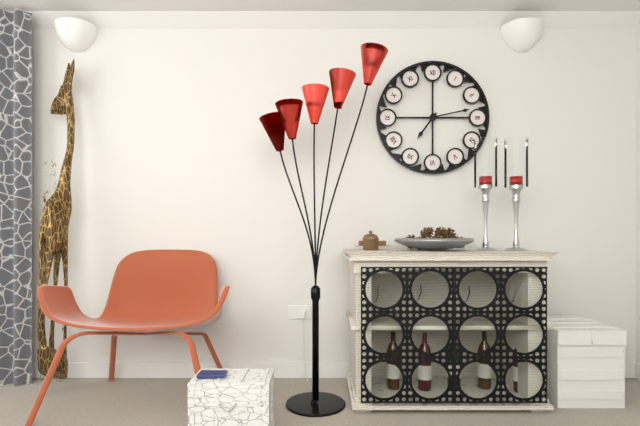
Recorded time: **7:13**
